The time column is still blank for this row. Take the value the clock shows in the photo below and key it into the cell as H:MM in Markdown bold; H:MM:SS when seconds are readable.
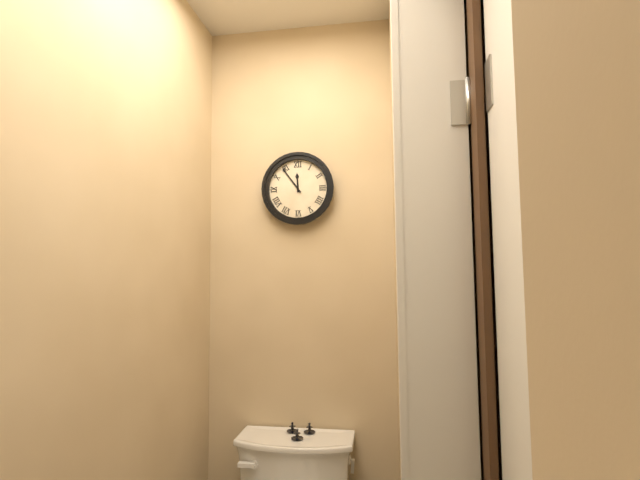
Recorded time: **11:54**
